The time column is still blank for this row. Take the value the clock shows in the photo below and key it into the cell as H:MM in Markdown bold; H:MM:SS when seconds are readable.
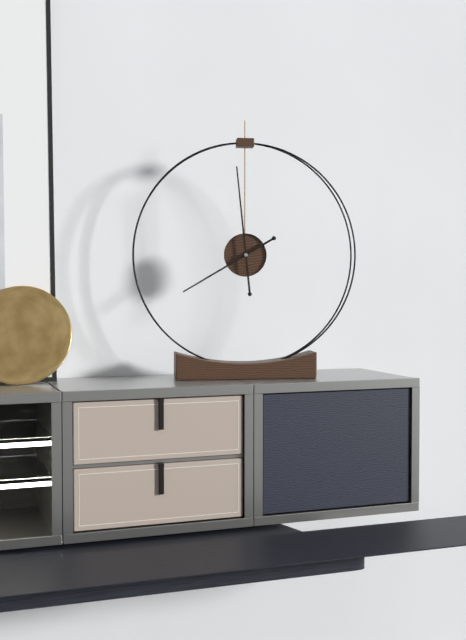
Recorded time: **7:59**
